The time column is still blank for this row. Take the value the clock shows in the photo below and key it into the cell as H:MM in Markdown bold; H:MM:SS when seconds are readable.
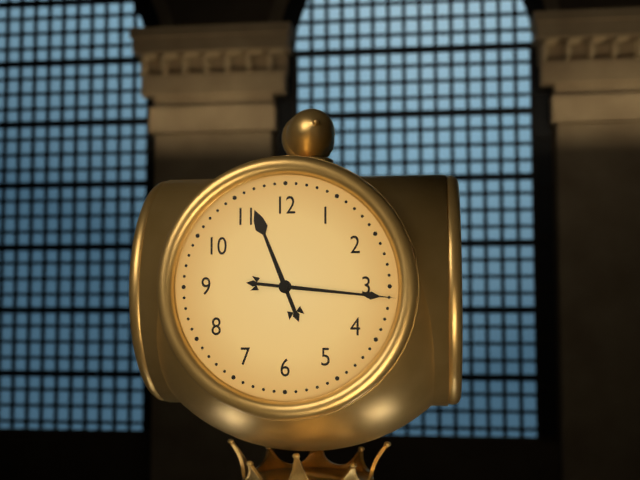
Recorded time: **11:16**
